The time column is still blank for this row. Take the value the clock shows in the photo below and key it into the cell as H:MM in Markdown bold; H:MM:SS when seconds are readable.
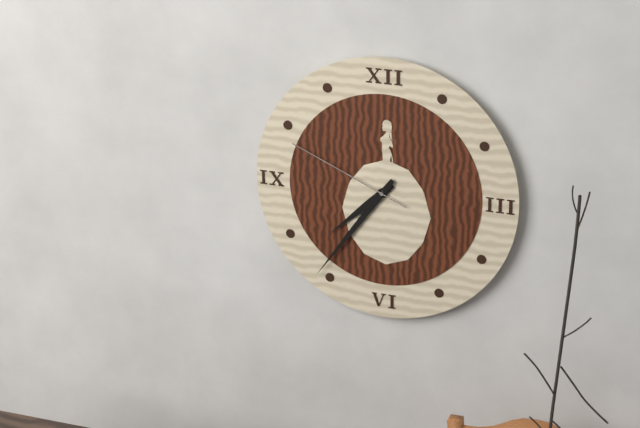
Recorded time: **7:36:49**
